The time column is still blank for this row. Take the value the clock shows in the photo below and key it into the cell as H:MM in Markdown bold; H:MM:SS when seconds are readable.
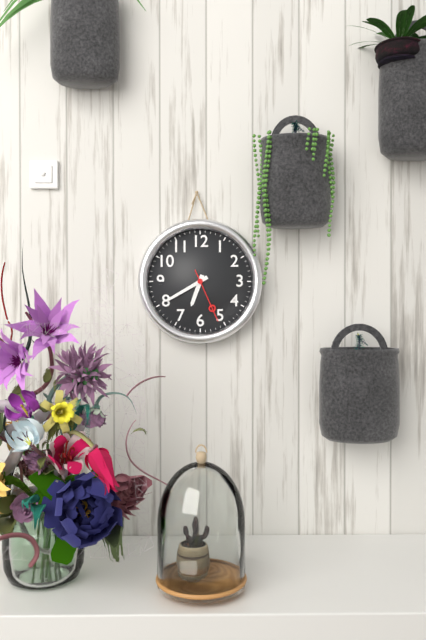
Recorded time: **6:40:26**
